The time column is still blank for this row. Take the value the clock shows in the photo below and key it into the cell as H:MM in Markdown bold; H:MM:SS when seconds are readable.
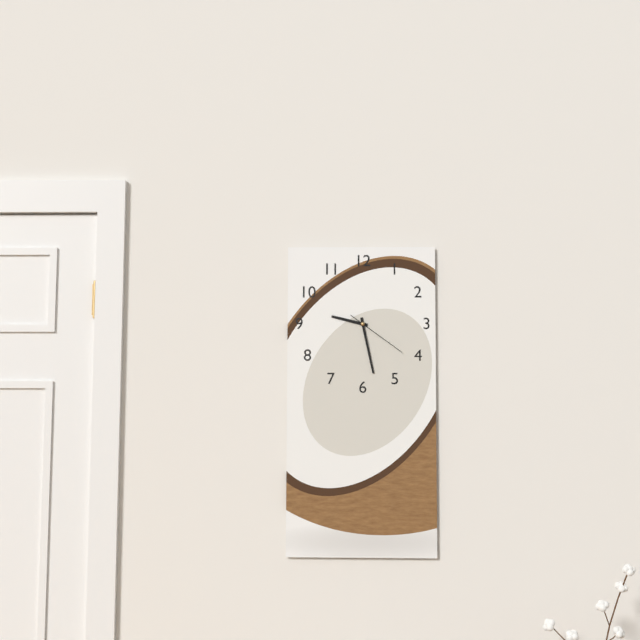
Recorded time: **9:28:21**
